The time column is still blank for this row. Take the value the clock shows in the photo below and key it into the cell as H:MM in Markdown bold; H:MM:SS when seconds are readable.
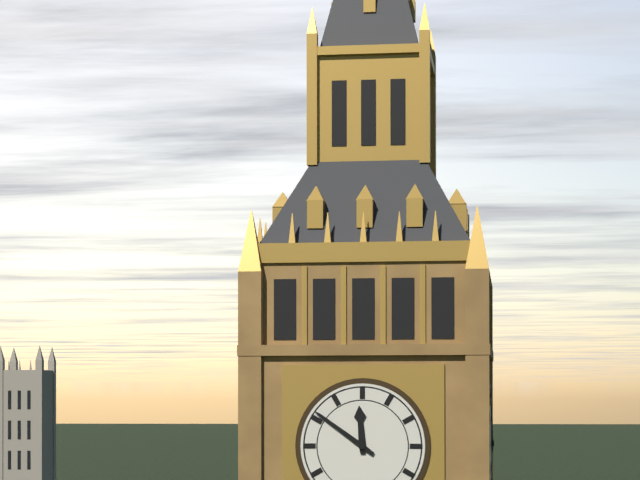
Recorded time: **11:51**
